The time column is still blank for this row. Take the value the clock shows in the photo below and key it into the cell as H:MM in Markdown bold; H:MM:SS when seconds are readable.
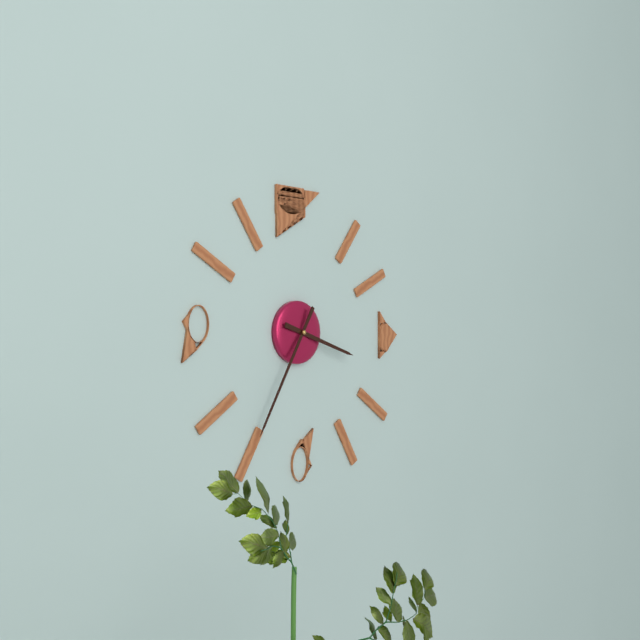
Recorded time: **3:35**
